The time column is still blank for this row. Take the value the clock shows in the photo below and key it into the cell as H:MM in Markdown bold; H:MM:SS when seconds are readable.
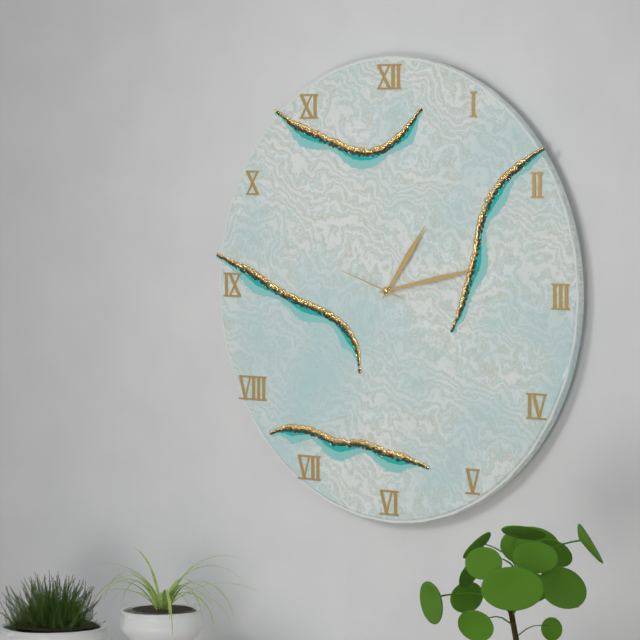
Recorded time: **1:13:48**
